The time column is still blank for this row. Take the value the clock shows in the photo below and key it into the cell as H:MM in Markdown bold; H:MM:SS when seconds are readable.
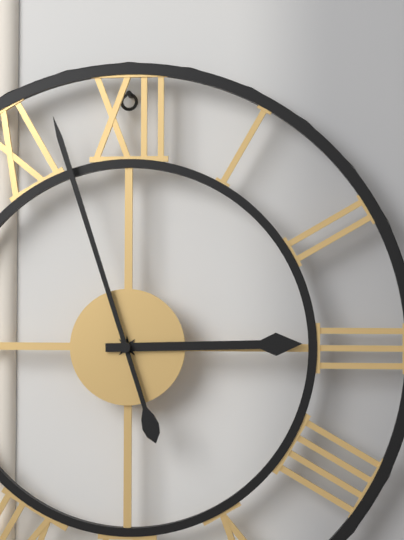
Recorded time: **2:57**
